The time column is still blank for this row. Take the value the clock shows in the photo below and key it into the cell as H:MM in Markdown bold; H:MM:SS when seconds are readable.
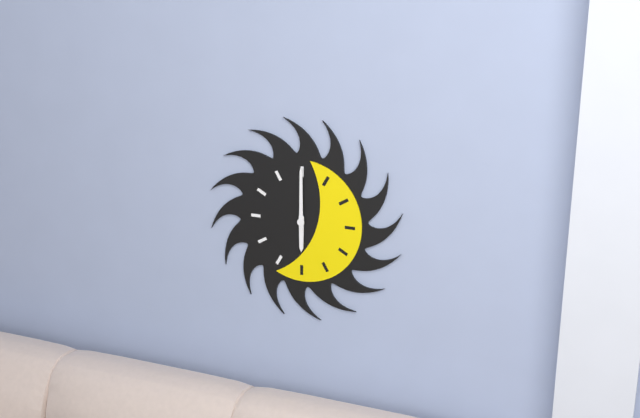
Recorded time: **6:00**
